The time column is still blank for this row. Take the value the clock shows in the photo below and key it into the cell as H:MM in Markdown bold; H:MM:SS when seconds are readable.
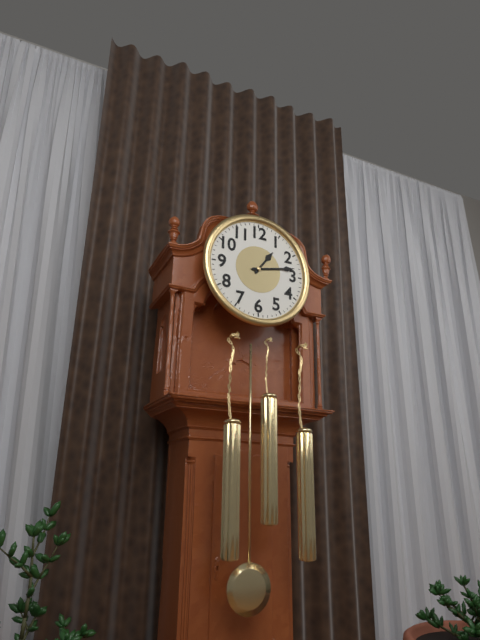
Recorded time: **1:13**
